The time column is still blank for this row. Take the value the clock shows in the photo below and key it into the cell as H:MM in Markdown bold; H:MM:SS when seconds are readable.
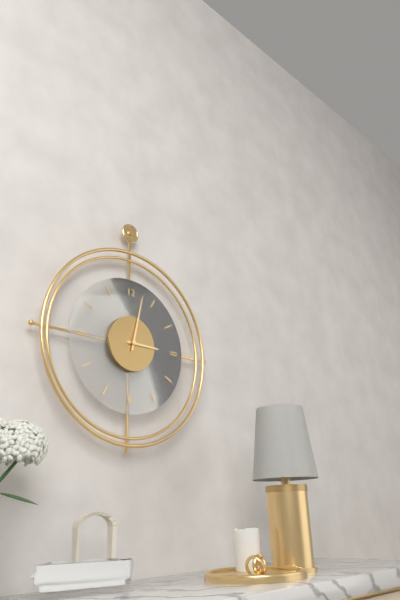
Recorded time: **3:02**
